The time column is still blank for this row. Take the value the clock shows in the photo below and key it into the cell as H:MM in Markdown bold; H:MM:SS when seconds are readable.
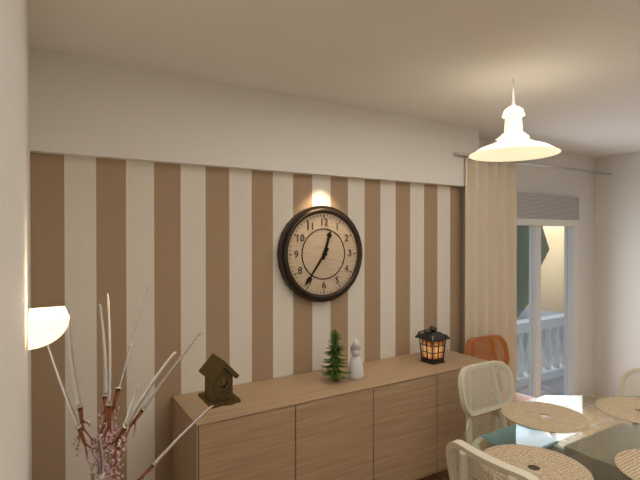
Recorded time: **12:36**
